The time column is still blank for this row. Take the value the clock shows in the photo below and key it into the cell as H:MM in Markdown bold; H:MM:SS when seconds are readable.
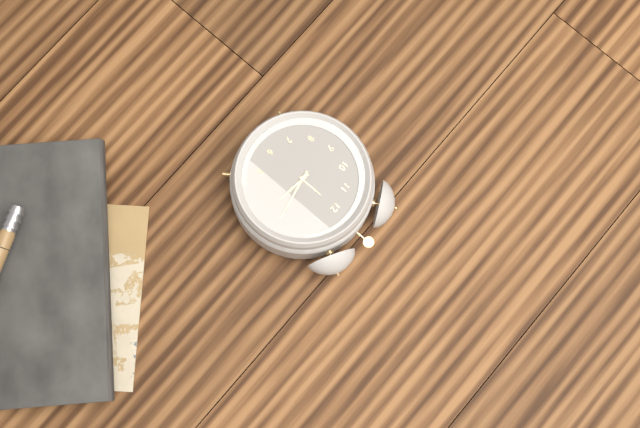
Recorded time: **3:13**
